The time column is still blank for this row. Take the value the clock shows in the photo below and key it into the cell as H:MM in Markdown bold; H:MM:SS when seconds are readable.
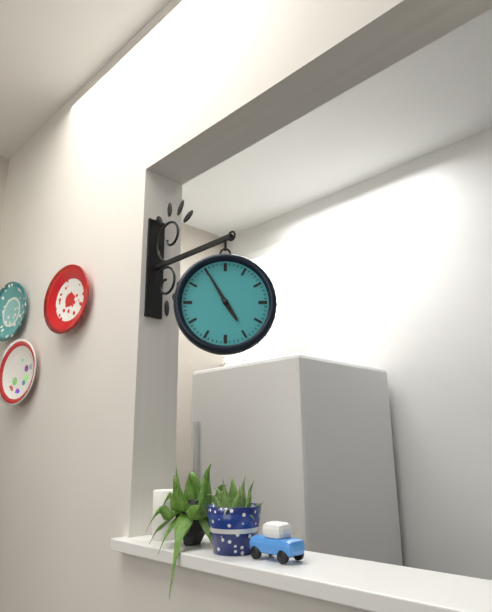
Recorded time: **4:55**
